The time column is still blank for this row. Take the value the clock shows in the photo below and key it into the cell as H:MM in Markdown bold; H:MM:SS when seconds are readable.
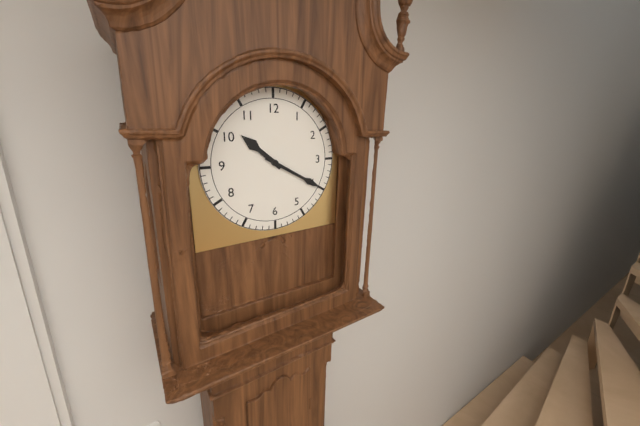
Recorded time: **10:20**
